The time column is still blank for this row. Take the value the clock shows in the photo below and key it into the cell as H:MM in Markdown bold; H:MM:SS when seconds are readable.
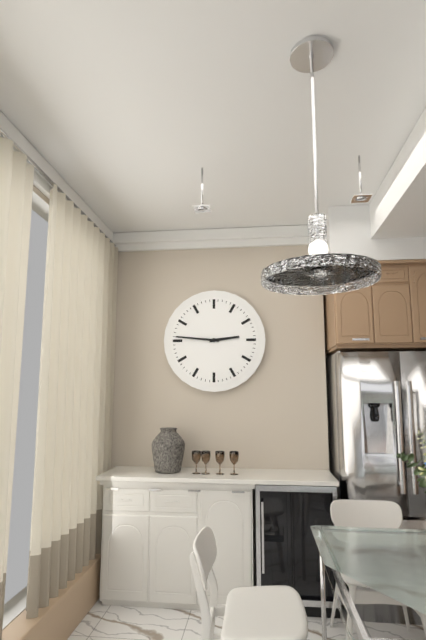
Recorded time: **2:46**
